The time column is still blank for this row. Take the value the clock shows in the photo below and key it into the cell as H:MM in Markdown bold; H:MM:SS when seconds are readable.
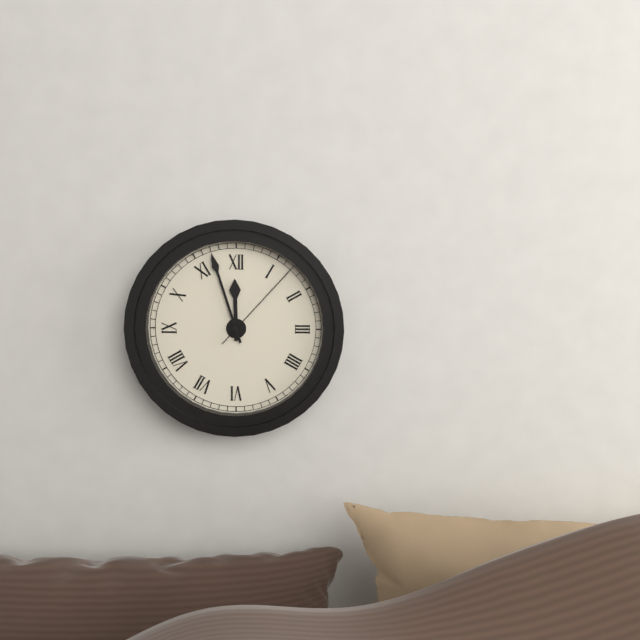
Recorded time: **11:57:07**
